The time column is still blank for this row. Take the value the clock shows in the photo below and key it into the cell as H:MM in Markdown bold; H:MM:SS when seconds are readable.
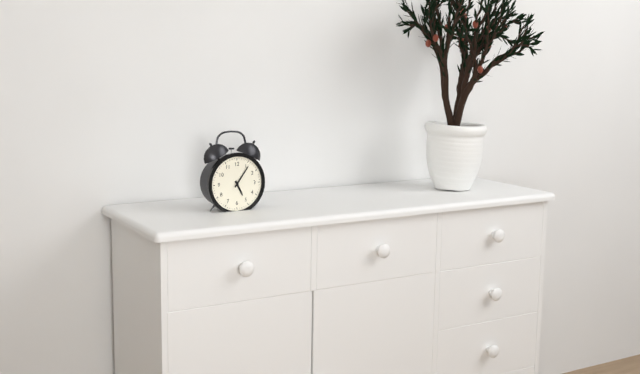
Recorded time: **5:06**
